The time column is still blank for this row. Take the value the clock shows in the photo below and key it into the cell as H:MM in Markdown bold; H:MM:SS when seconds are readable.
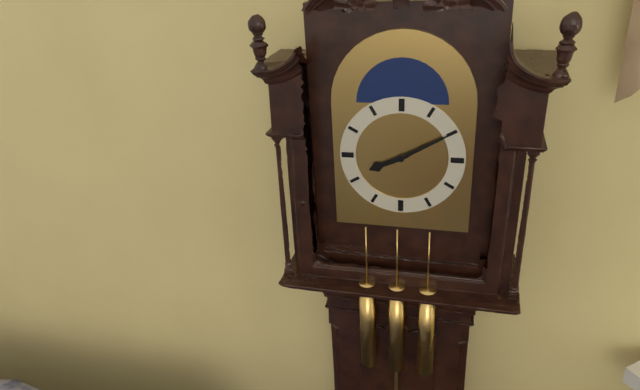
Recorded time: **8:10**
